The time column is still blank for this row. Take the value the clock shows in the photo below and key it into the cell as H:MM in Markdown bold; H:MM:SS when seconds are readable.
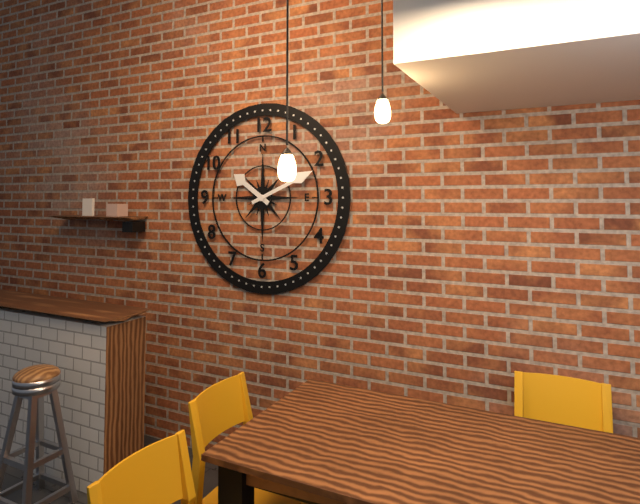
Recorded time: **10:11**
